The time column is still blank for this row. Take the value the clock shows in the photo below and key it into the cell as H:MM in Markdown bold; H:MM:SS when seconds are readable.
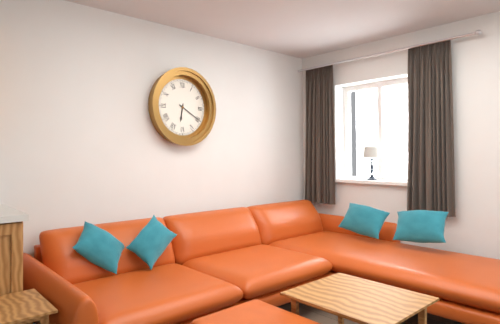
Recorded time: **6:20**
